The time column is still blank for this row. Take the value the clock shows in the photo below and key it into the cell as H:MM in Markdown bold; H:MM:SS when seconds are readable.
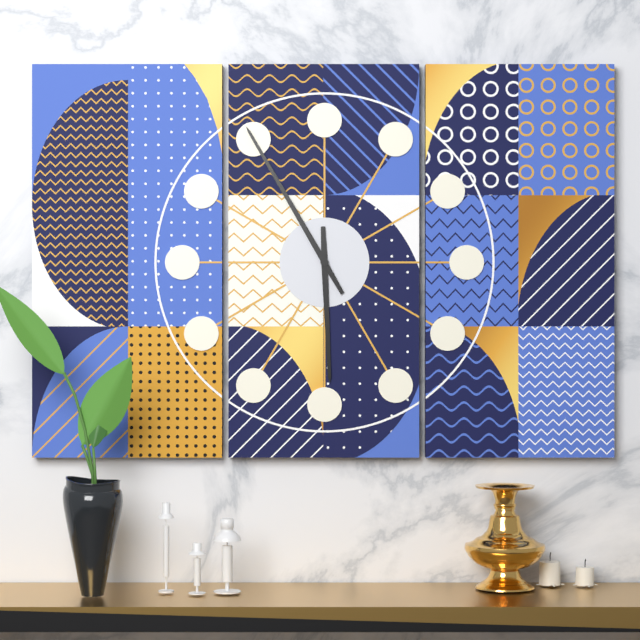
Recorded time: **5:55**
